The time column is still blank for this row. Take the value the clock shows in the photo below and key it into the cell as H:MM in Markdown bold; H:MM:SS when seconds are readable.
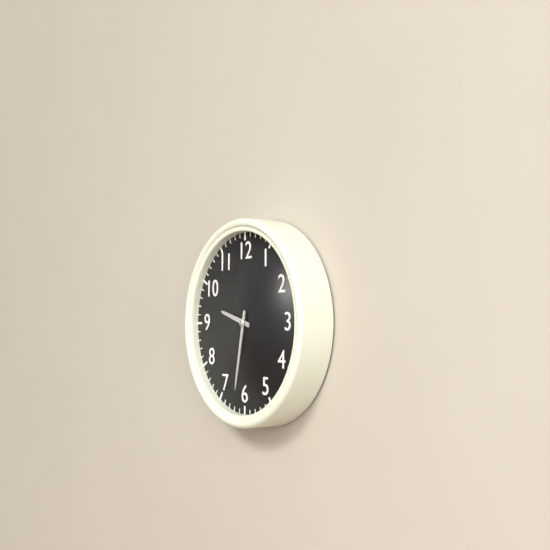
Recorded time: **9:32**
